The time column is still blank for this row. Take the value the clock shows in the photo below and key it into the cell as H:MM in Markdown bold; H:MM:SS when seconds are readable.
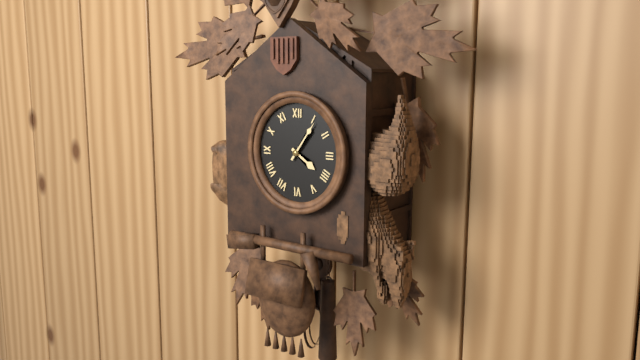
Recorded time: **4:06**
